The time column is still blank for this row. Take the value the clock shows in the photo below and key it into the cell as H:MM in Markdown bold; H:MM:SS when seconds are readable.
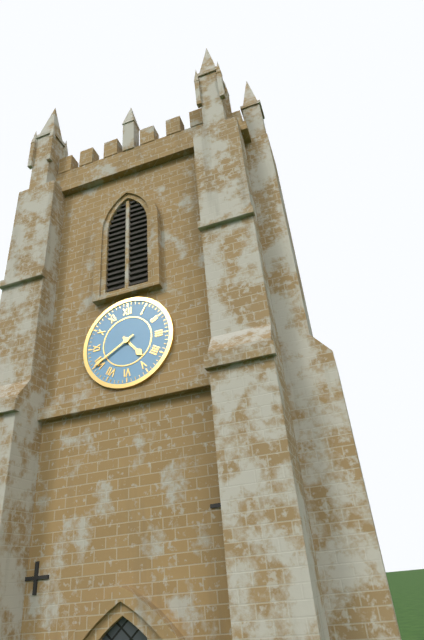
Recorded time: **4:40**
